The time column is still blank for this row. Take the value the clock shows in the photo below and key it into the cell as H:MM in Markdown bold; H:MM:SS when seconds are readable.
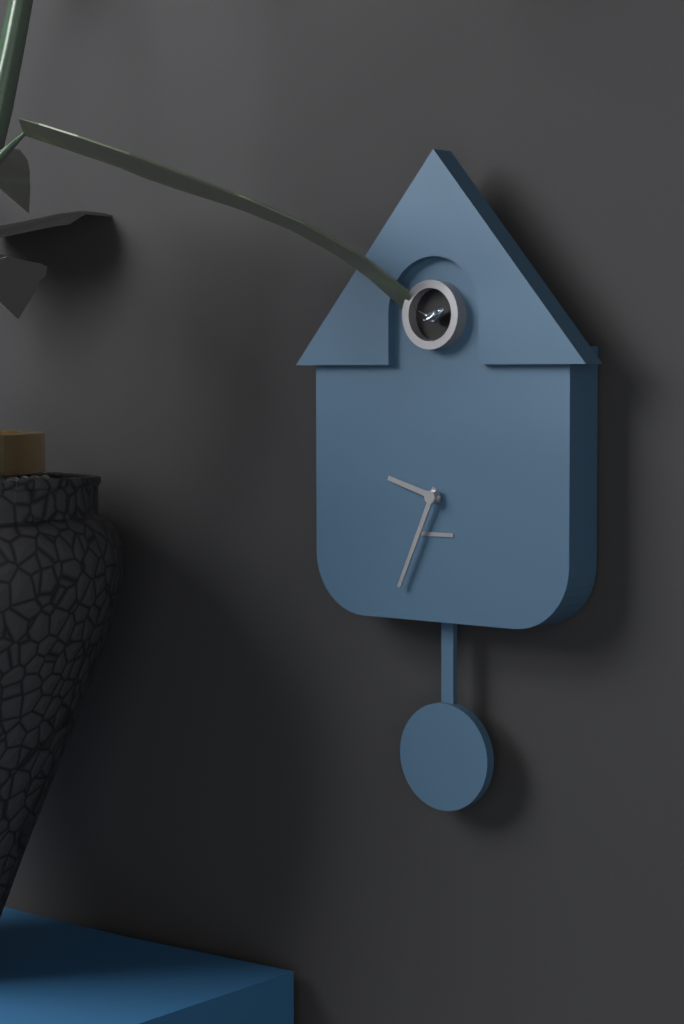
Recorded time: **9:34**
